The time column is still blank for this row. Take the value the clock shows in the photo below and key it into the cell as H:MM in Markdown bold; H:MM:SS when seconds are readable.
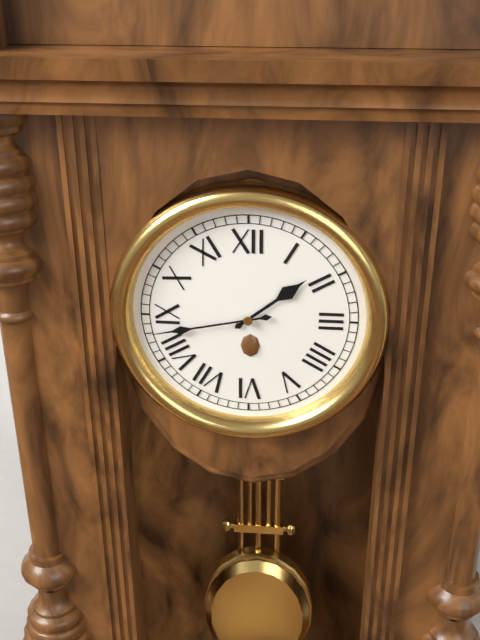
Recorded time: **1:43**
